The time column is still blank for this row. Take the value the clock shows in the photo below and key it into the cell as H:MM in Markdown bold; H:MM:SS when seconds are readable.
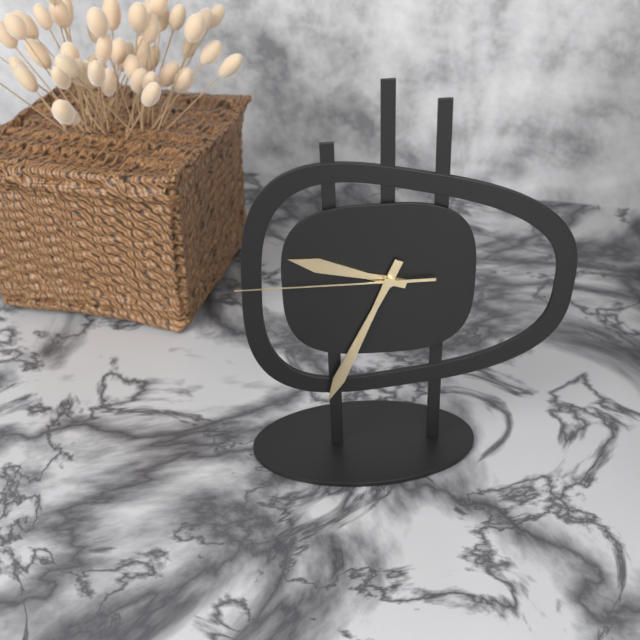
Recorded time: **9:34:45**
